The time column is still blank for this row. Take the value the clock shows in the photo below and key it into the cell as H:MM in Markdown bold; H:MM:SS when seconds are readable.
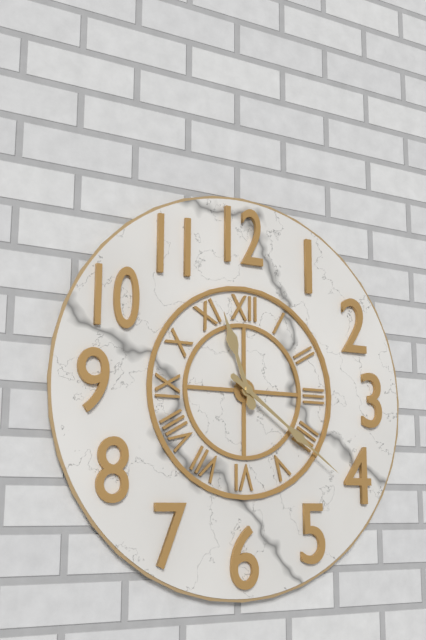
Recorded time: **11:21**
